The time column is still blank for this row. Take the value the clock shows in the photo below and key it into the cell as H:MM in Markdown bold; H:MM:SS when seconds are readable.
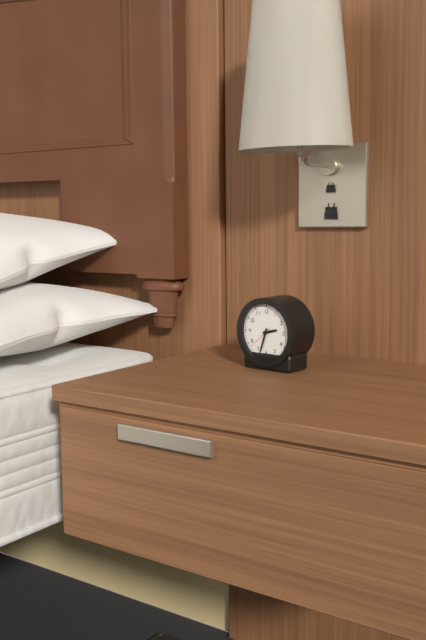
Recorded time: **2:33**
